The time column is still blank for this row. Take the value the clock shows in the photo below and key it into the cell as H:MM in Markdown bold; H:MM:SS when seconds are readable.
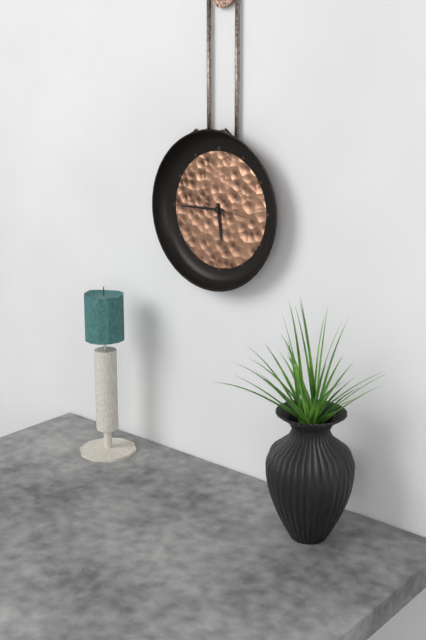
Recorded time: **5:45**
